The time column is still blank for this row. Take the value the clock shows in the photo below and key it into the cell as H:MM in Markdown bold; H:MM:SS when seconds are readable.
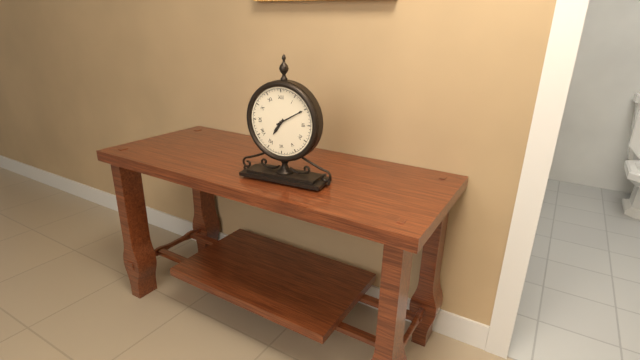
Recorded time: **7:10**
